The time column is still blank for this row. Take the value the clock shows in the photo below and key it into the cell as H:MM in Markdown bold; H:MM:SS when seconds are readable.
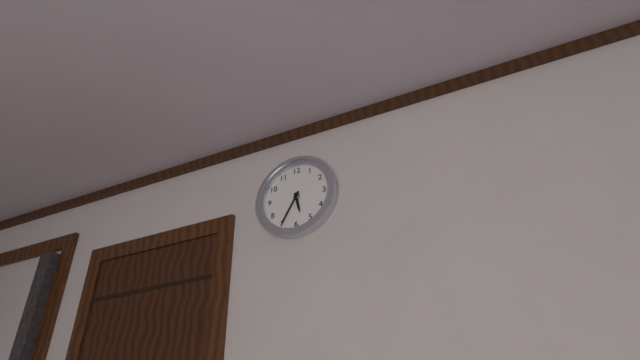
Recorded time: **5:35**
